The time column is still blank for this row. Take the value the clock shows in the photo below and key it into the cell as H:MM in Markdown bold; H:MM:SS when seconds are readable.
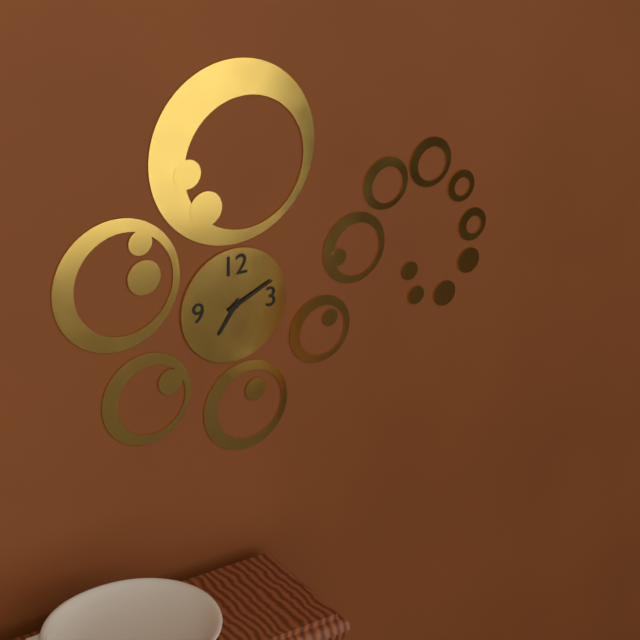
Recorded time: **7:11**
